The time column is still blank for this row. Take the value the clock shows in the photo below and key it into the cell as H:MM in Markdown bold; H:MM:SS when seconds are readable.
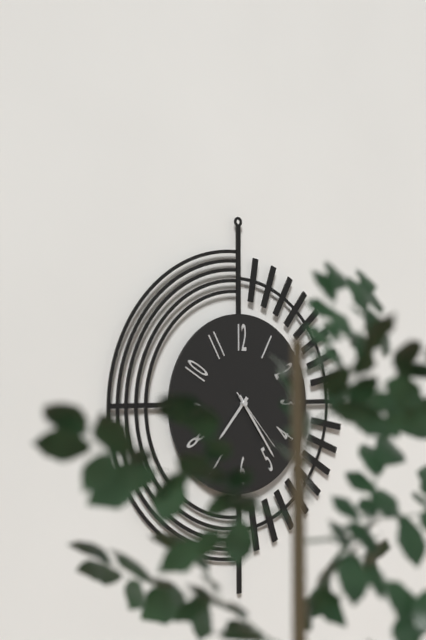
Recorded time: **7:24:23**
